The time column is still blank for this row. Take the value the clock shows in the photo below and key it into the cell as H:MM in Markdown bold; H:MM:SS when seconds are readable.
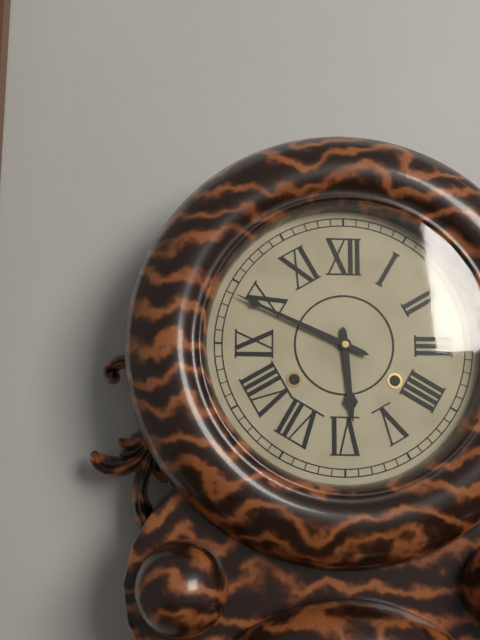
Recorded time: **5:49**
